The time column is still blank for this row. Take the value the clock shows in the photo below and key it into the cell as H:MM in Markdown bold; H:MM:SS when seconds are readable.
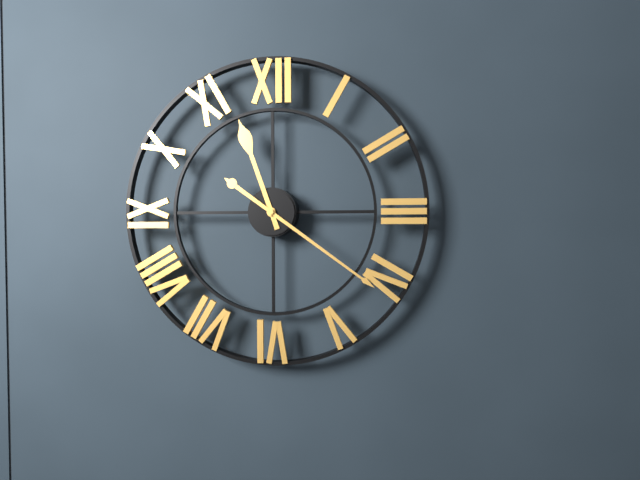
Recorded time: **11:21**
